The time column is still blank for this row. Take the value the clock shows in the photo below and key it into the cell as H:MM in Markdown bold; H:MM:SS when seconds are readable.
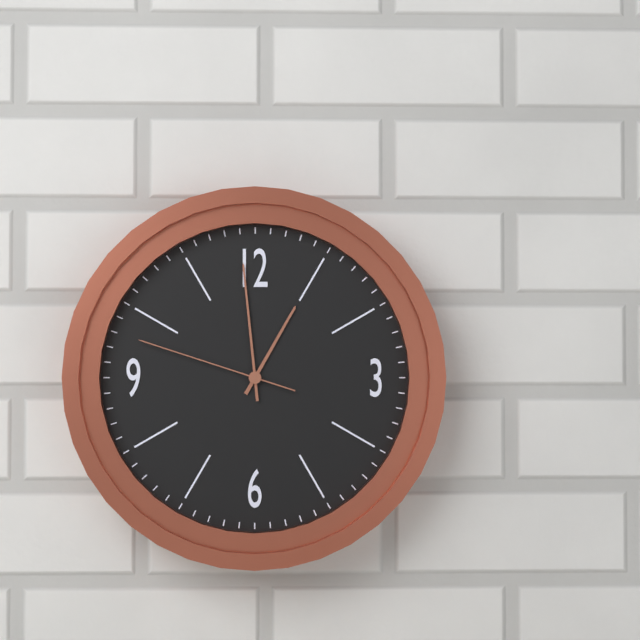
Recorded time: **12:59:48**
